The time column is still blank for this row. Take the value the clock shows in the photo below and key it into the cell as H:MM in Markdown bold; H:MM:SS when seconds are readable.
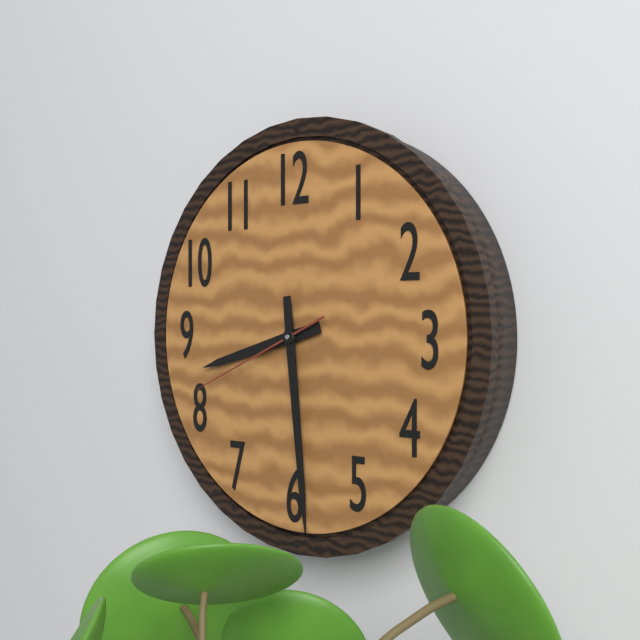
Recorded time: **8:29:41**
